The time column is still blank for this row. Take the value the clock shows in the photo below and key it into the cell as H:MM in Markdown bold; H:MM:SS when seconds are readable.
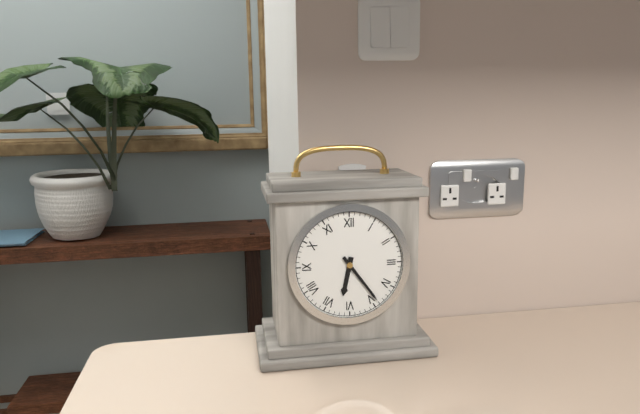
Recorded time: **6:24**
